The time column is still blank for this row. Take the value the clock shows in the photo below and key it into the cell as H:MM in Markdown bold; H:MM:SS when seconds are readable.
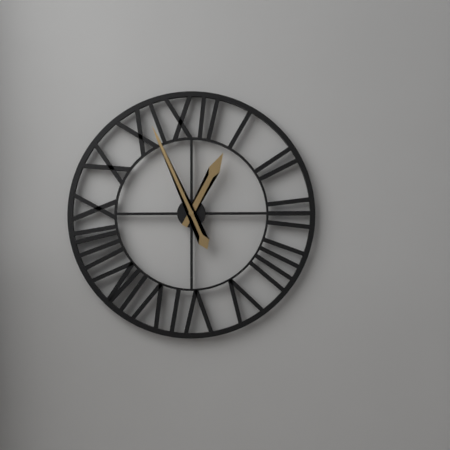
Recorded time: **12:56**
